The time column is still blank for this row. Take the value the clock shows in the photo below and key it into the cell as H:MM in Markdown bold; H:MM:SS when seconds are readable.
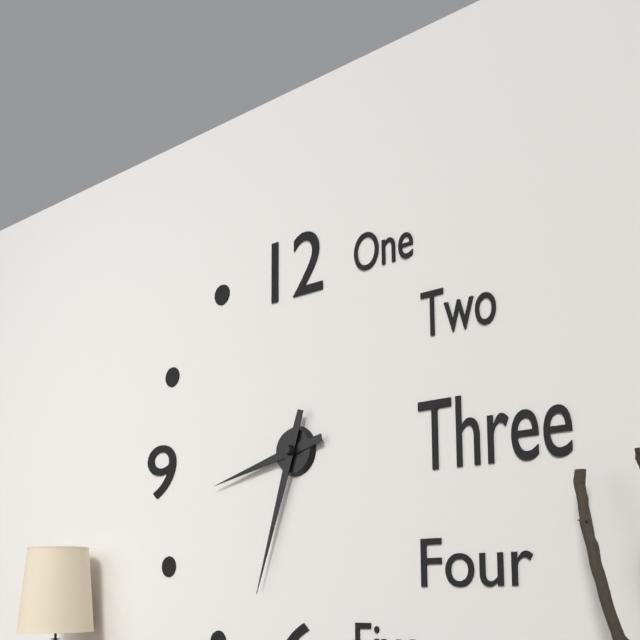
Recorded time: **8:33**
